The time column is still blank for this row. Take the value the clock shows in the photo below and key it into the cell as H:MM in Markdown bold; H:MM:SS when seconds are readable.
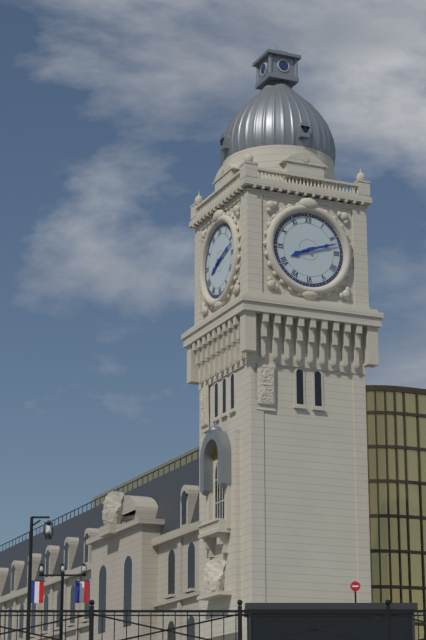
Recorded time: **8:12**
